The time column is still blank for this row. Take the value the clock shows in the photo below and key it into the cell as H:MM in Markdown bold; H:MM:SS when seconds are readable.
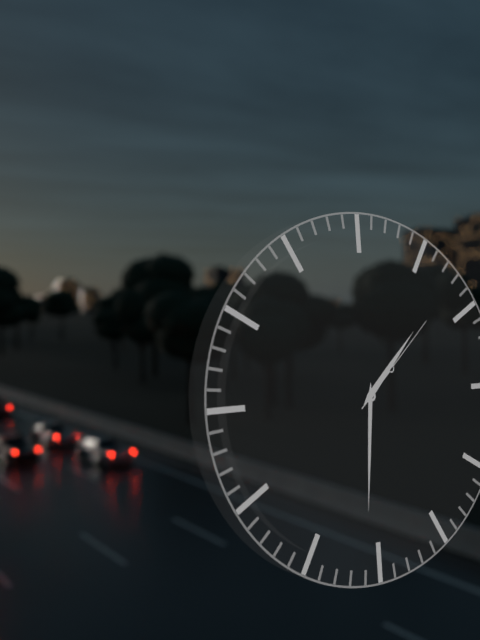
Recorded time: **1:31:08**
